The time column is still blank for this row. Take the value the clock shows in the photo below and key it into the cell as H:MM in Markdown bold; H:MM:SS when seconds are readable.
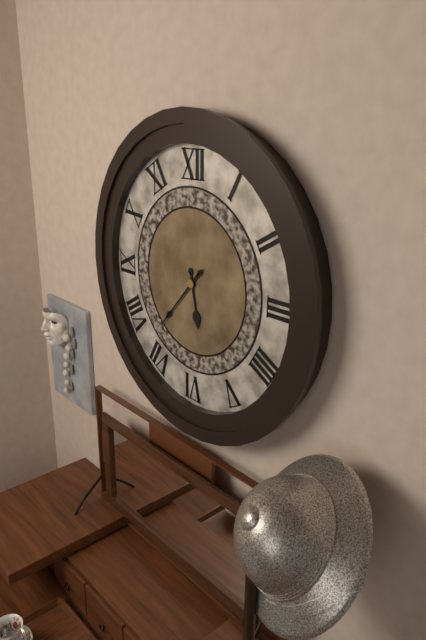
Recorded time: **5:37**
